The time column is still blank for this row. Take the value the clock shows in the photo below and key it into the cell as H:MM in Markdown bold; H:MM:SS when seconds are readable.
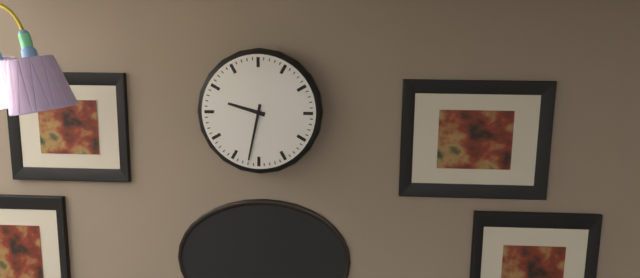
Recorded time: **9:32**
